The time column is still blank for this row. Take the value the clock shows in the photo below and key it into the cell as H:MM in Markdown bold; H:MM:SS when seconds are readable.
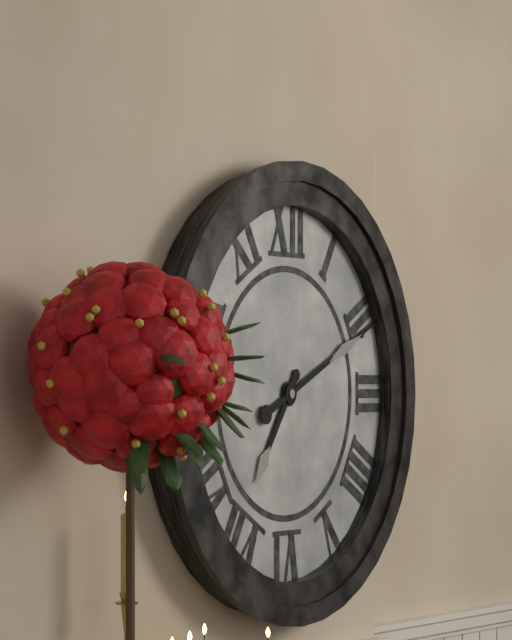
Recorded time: **7:11**
